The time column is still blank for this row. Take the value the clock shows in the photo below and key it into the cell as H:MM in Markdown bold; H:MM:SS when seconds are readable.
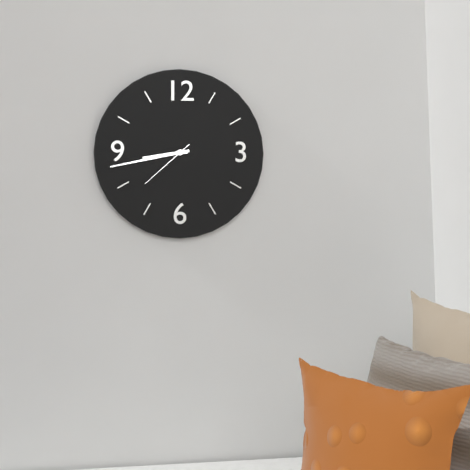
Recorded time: **8:43:38**
